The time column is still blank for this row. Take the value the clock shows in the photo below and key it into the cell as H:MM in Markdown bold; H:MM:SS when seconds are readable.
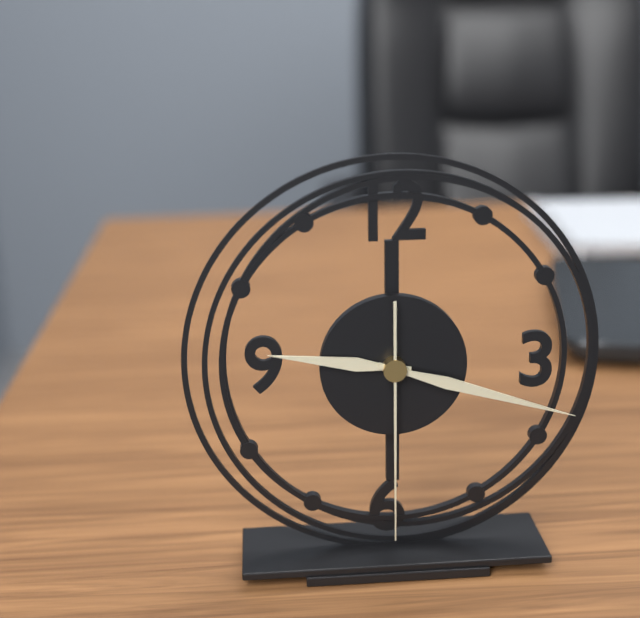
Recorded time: **9:18:30**
